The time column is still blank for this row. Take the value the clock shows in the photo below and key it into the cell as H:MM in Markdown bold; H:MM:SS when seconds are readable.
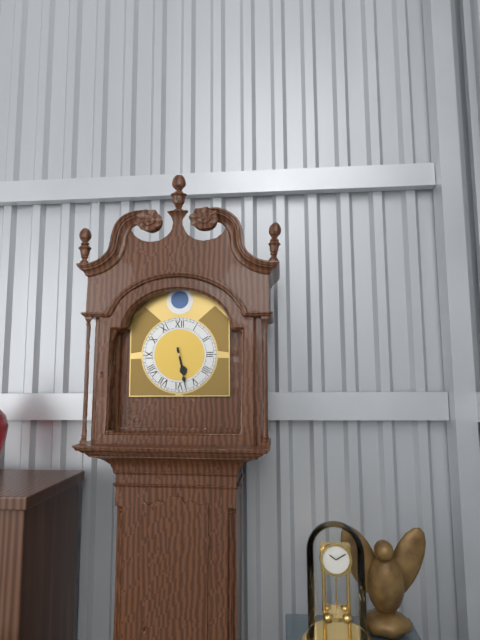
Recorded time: **5:28**
